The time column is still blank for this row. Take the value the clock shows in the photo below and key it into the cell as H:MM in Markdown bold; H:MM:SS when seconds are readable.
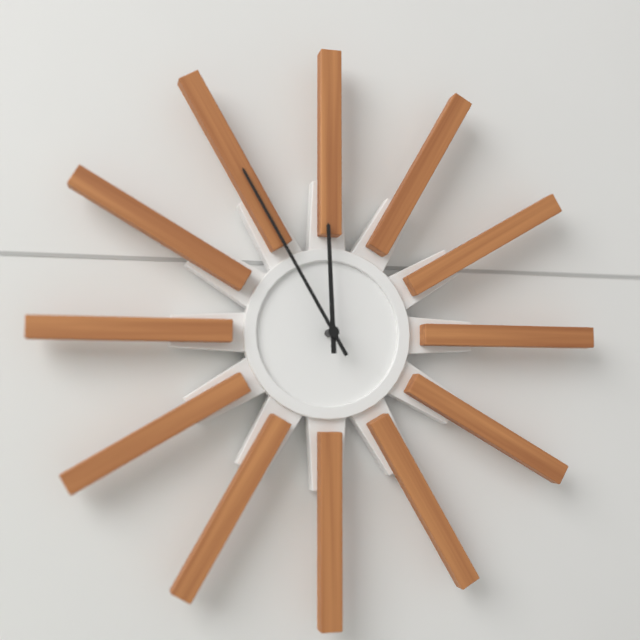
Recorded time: **11:55**
